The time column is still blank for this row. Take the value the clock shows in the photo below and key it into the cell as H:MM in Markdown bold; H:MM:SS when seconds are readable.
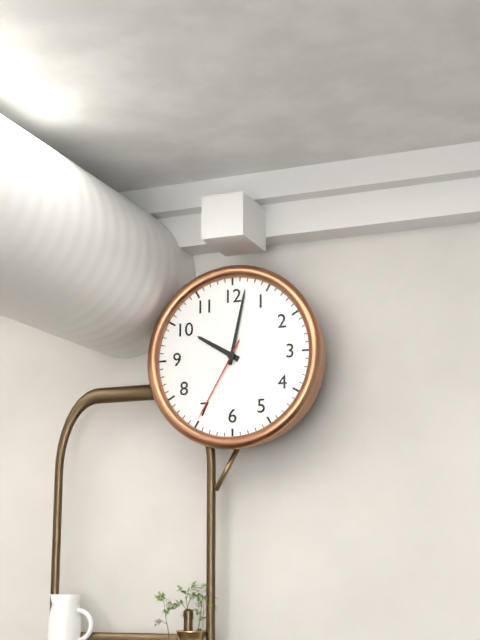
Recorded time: **10:02:35**
